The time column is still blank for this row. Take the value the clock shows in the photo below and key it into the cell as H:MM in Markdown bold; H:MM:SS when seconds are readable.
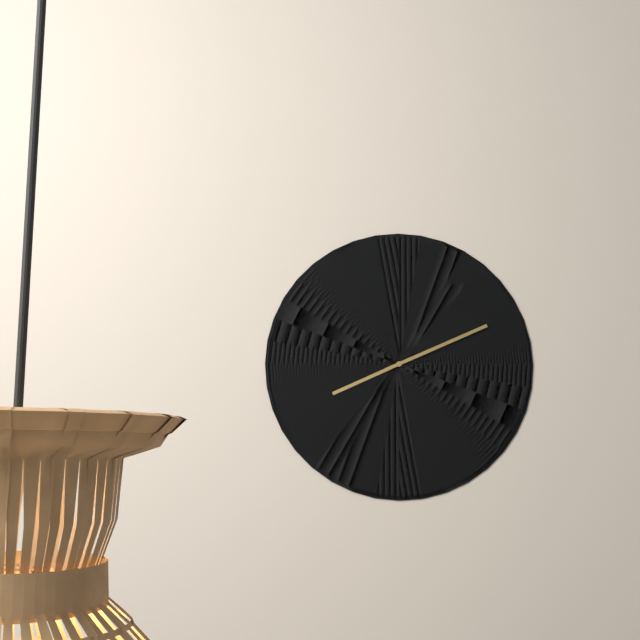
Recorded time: **8:11**
